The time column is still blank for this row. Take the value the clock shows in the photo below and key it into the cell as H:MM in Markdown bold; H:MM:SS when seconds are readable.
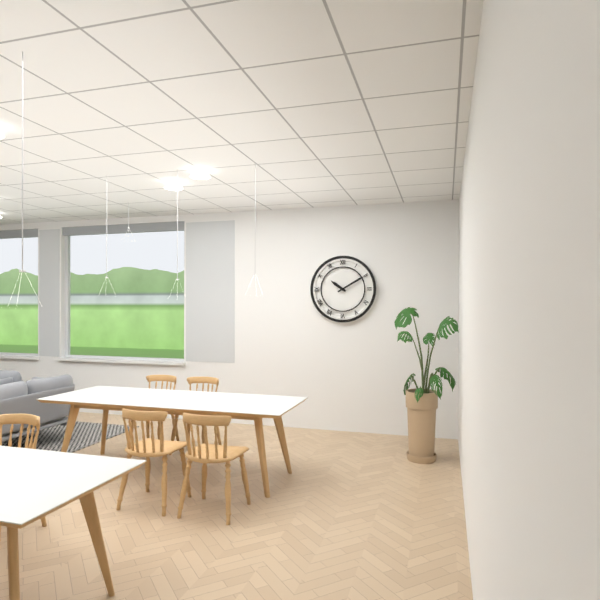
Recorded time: **10:10**
